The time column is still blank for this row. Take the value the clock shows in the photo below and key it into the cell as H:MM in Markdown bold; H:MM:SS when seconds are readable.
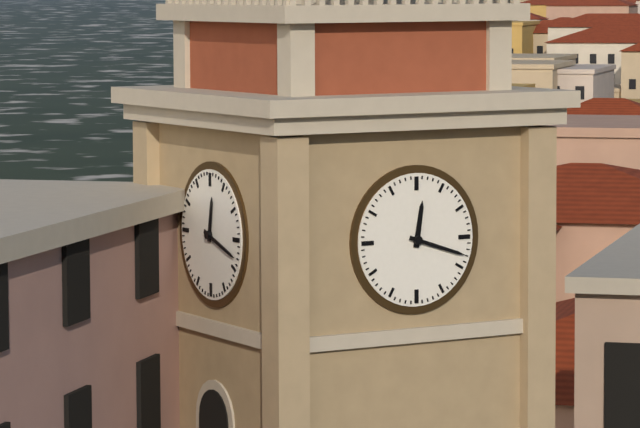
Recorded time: **12:18**
